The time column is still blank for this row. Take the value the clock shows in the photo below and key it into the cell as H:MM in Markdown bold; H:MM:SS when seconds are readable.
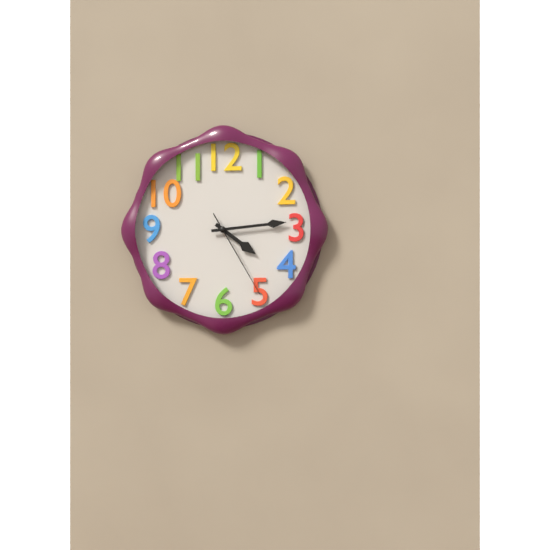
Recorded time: **4:14:25**
